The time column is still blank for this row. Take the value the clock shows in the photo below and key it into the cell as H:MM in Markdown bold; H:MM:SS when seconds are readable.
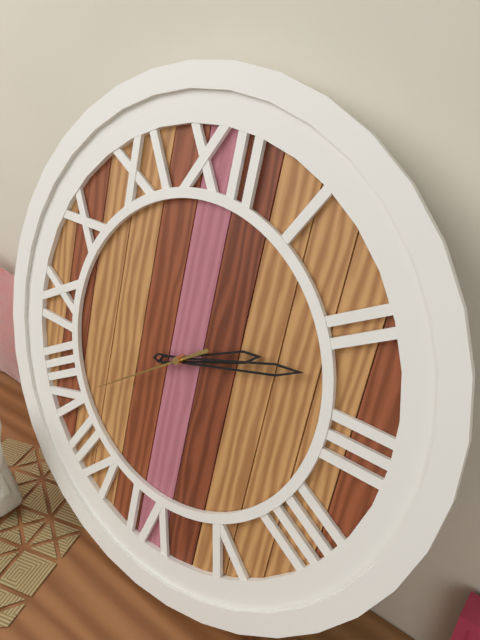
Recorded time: **2:12:39**
